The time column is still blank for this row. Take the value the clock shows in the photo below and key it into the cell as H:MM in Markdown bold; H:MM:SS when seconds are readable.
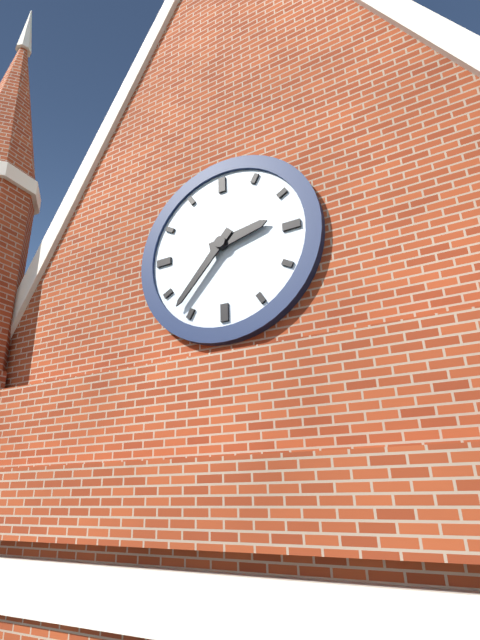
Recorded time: **2:37**
